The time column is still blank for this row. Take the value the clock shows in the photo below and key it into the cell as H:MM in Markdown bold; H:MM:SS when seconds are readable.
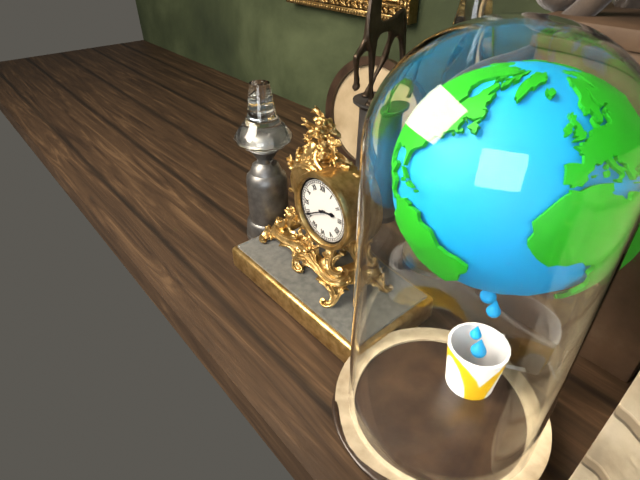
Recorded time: **2:40**
